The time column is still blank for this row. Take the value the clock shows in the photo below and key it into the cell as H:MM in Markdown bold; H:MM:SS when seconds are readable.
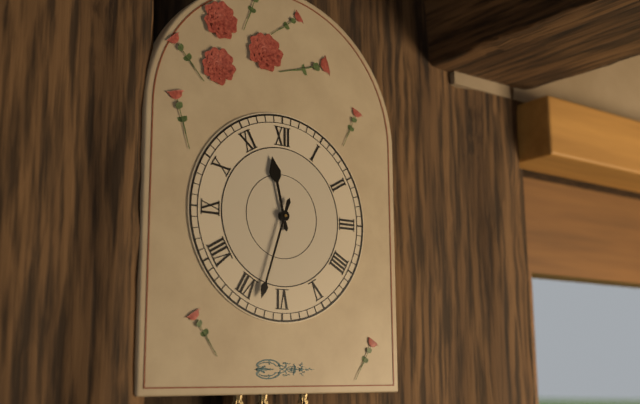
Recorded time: **11:33**
